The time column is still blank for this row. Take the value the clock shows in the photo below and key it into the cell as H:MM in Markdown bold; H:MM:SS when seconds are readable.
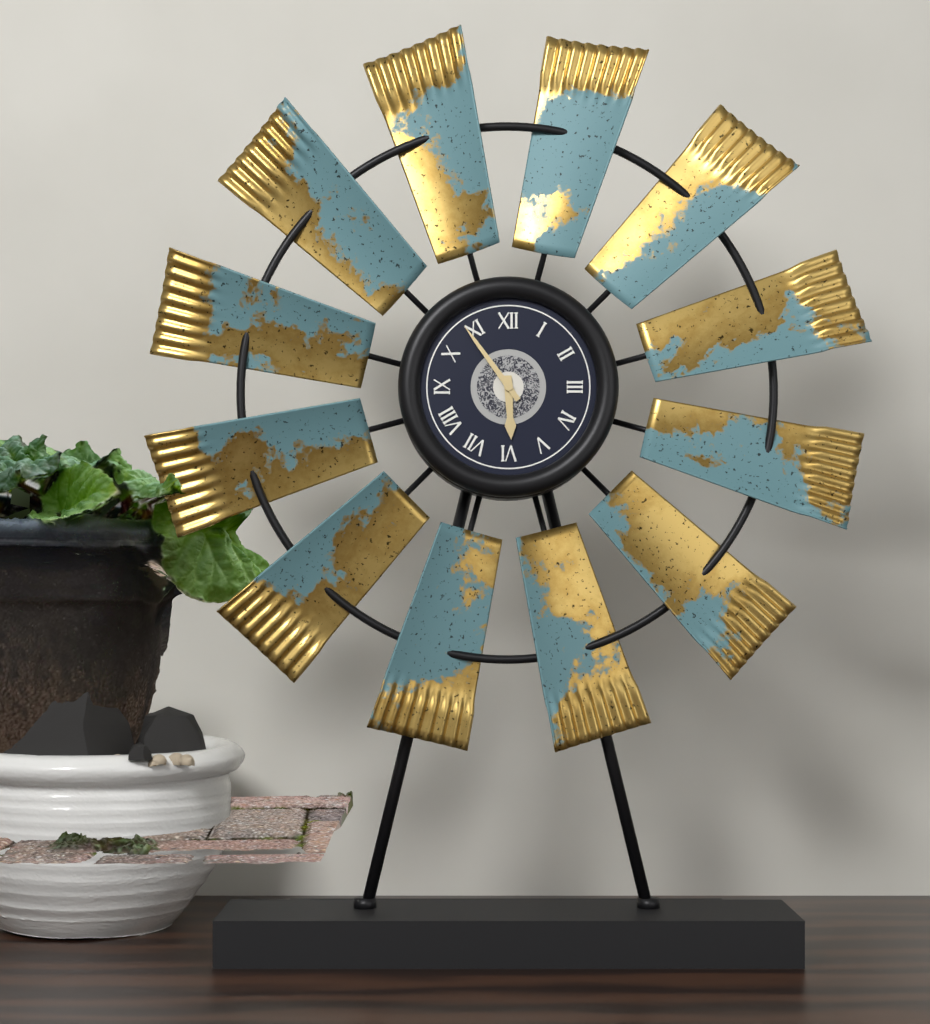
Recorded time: **5:54**
